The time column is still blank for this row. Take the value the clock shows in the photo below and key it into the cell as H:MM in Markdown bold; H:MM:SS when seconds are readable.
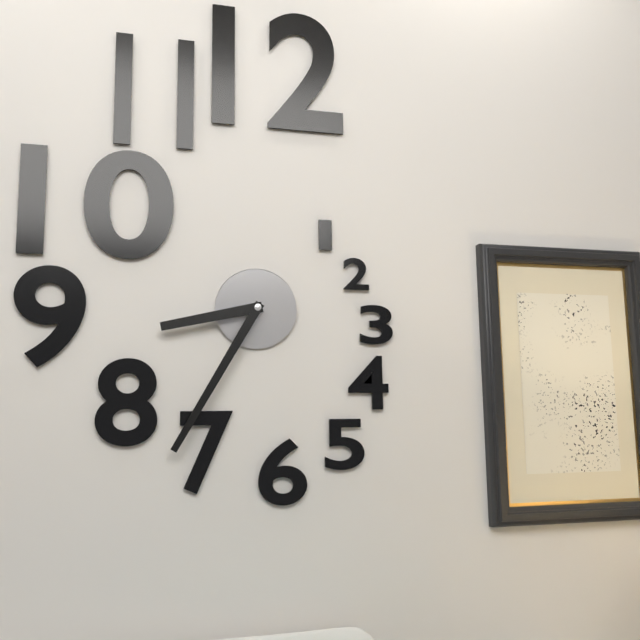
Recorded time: **8:35**
